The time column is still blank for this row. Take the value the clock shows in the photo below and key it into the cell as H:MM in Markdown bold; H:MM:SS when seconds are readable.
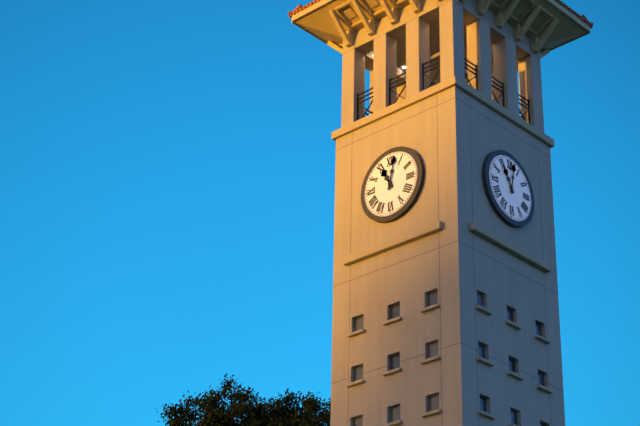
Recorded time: **11:02**
